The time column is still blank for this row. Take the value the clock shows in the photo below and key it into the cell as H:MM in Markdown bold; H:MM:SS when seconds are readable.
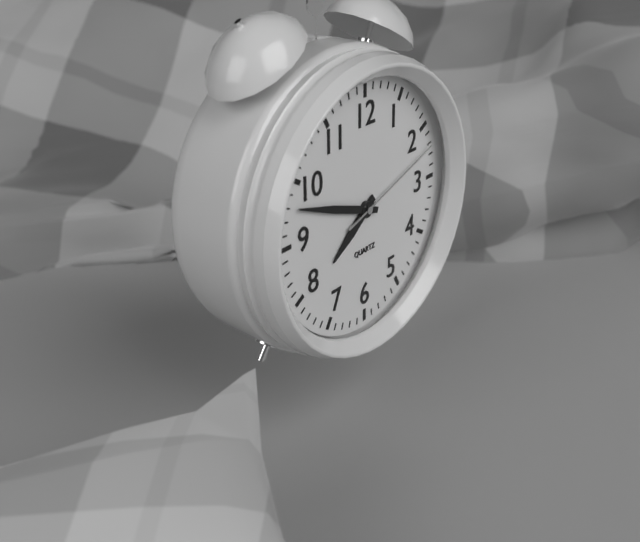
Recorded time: **7:48:12**
